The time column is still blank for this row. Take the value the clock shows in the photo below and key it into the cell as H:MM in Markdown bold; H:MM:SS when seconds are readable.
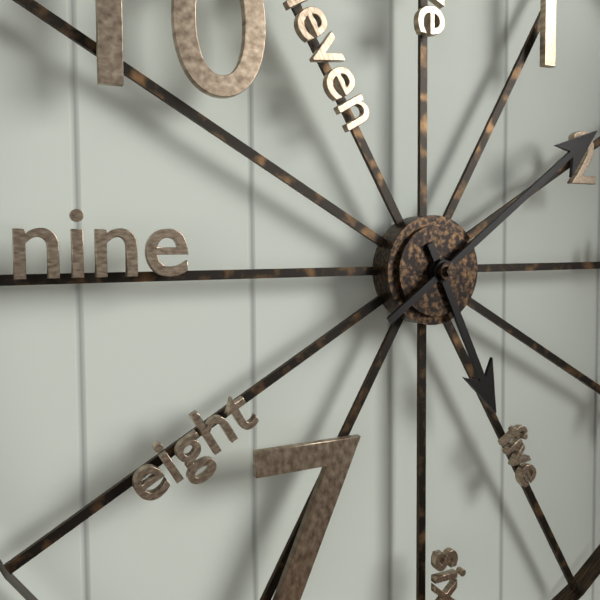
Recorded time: **5:09**
